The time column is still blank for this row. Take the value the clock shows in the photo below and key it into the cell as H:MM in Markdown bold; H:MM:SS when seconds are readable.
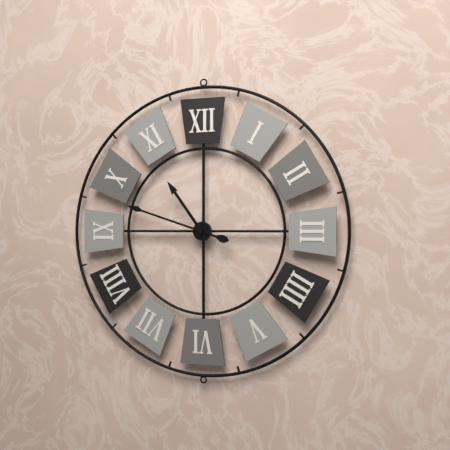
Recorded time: **10:48**
